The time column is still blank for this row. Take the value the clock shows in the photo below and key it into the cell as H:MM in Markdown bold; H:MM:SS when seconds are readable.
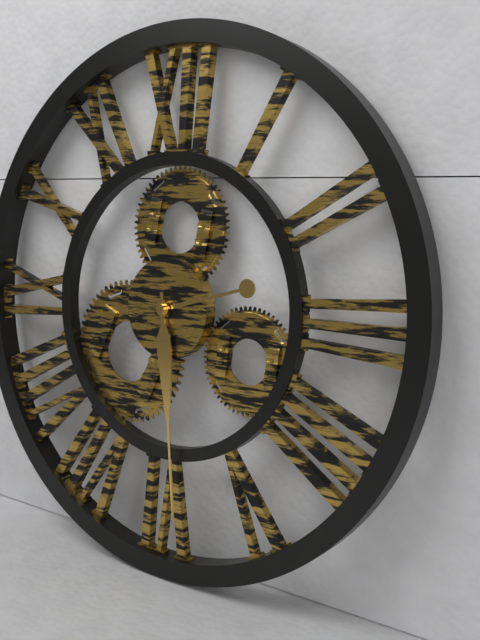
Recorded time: **2:29**
